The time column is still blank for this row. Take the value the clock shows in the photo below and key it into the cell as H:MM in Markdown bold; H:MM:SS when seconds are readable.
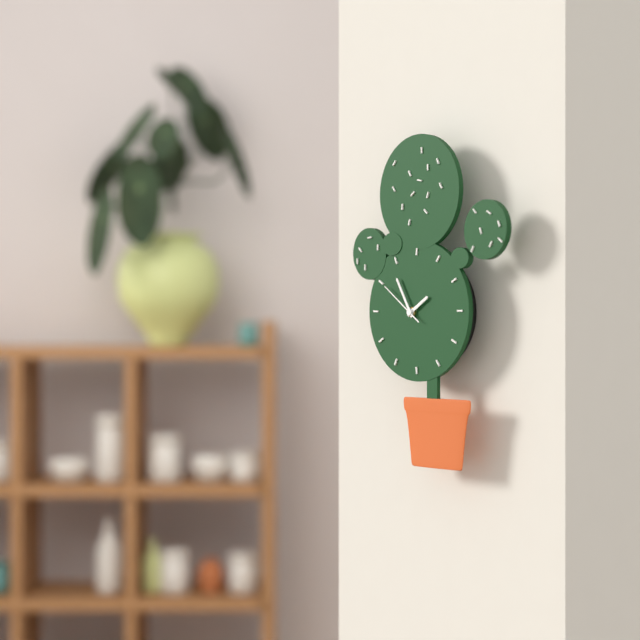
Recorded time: **1:55:51**
